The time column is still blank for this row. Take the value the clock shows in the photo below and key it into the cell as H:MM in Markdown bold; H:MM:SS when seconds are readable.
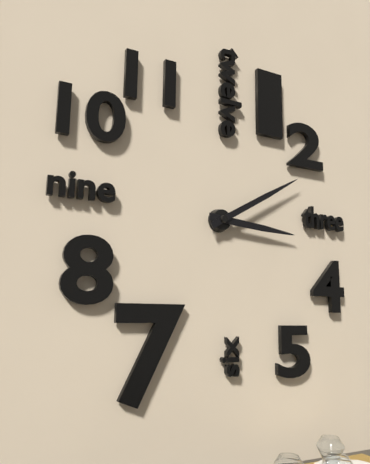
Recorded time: **3:10**
